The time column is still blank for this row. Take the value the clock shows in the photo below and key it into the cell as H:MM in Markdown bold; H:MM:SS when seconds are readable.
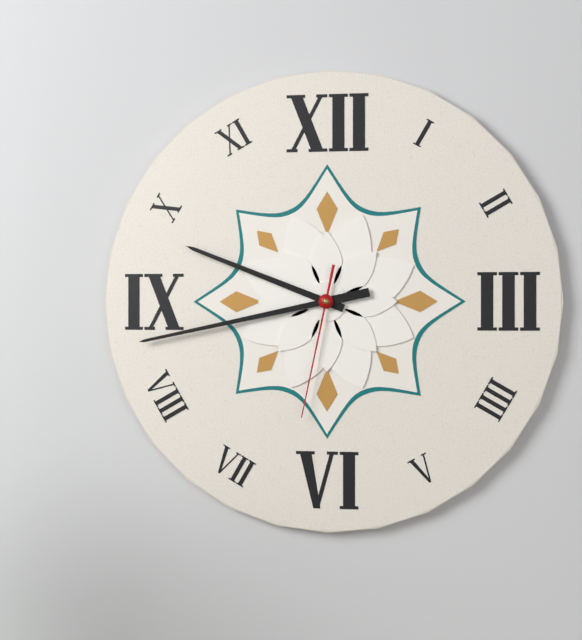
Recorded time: **9:43:32**
